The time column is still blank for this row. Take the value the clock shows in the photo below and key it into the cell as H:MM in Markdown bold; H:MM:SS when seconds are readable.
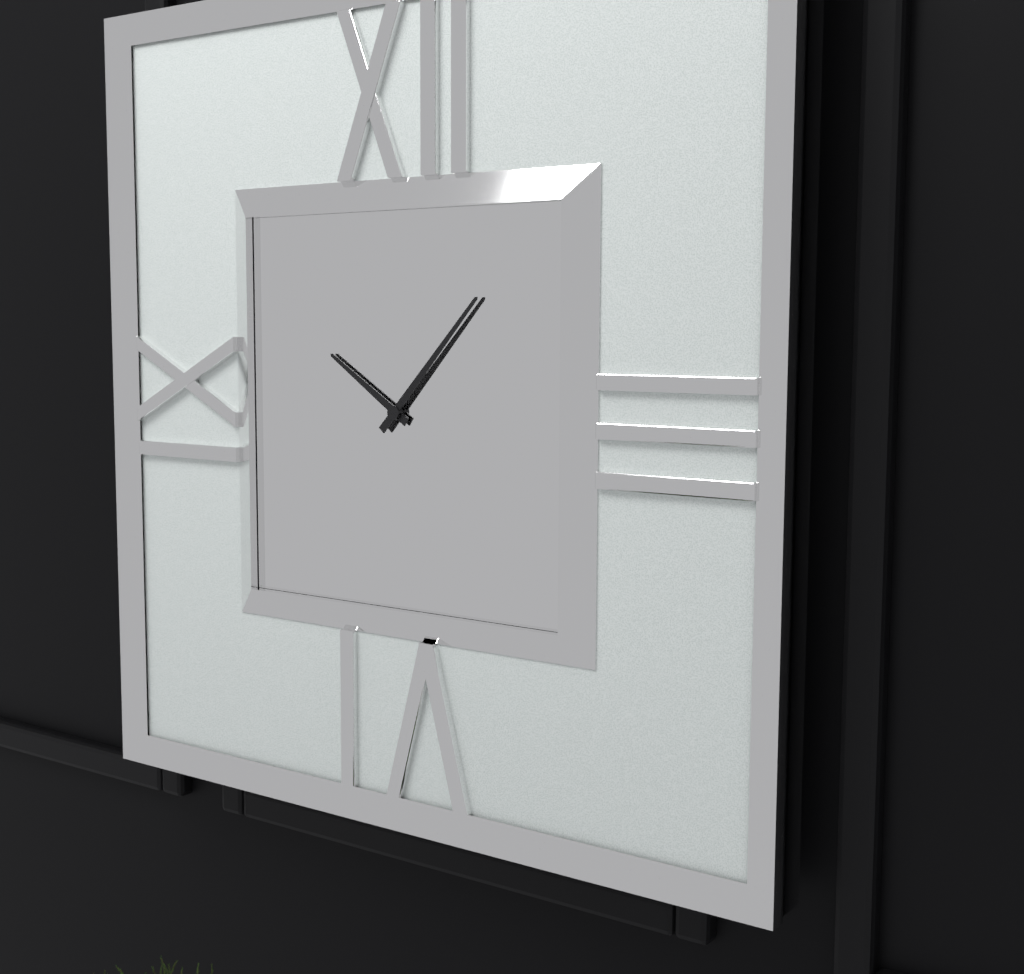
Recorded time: **10:07**
